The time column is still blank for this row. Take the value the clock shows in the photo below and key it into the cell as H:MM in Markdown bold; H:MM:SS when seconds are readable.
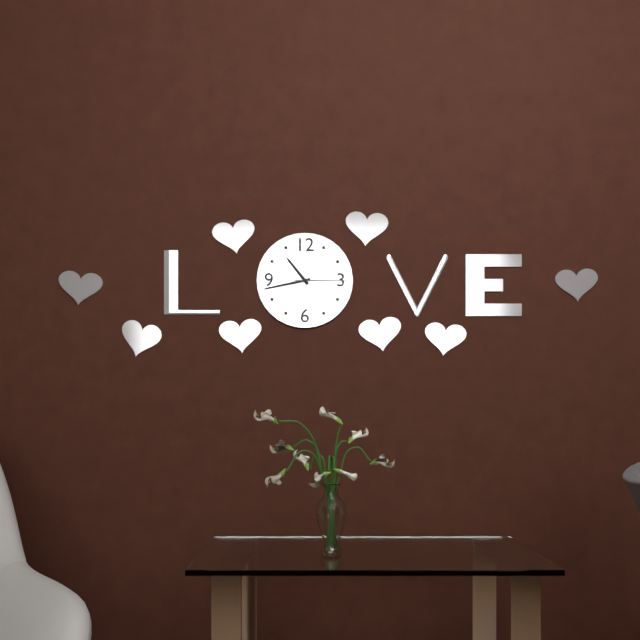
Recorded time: **10:43:15**
